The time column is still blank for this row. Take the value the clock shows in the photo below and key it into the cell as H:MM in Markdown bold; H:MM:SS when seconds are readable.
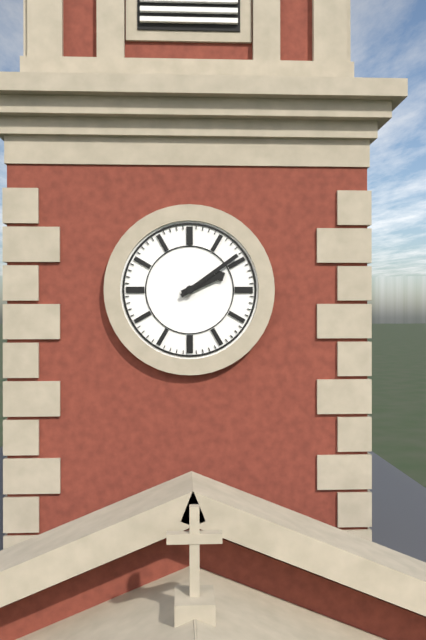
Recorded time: **2:09**
